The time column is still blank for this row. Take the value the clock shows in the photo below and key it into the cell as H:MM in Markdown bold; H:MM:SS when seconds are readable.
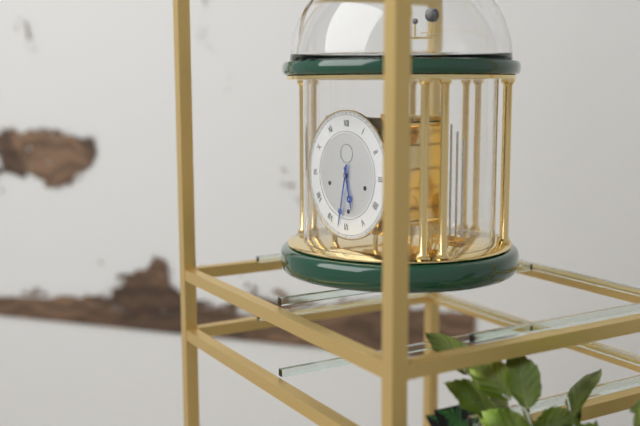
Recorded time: **5:32**
